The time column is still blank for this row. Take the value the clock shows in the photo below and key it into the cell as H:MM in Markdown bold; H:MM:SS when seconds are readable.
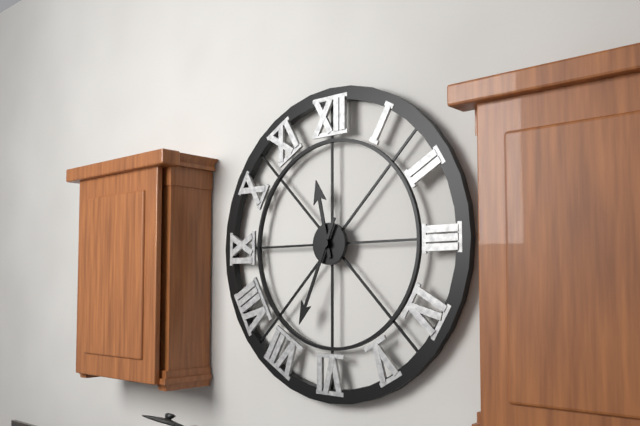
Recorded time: **11:34**
